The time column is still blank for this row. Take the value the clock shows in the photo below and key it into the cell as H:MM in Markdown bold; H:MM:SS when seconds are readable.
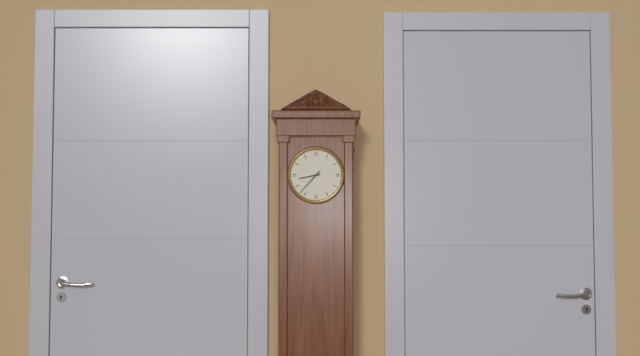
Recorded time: **8:37**
